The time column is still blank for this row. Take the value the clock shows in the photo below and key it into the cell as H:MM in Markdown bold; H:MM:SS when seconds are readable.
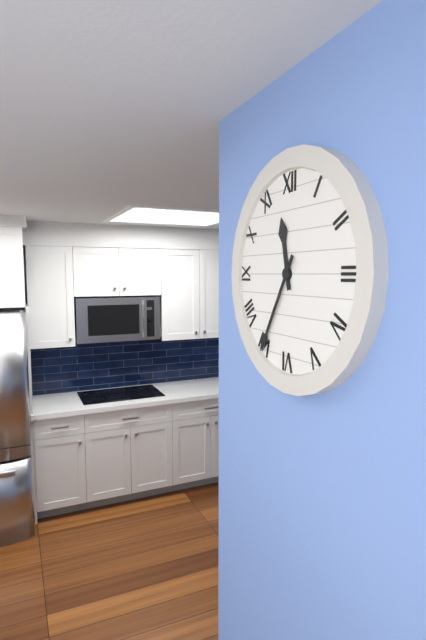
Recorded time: **11:35**
